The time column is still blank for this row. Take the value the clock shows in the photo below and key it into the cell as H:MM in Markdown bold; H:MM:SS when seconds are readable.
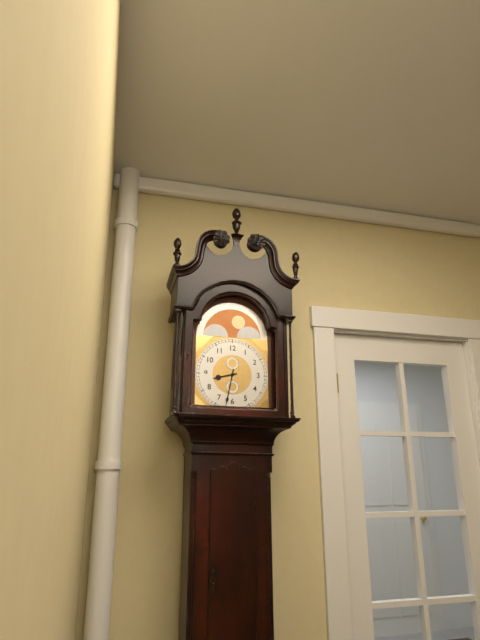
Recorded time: **8:32**
